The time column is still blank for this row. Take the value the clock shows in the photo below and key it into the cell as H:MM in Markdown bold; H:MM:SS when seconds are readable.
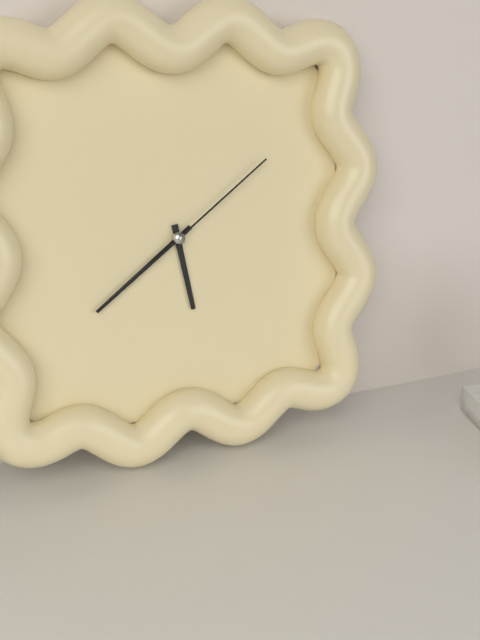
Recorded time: **5:39:09**
